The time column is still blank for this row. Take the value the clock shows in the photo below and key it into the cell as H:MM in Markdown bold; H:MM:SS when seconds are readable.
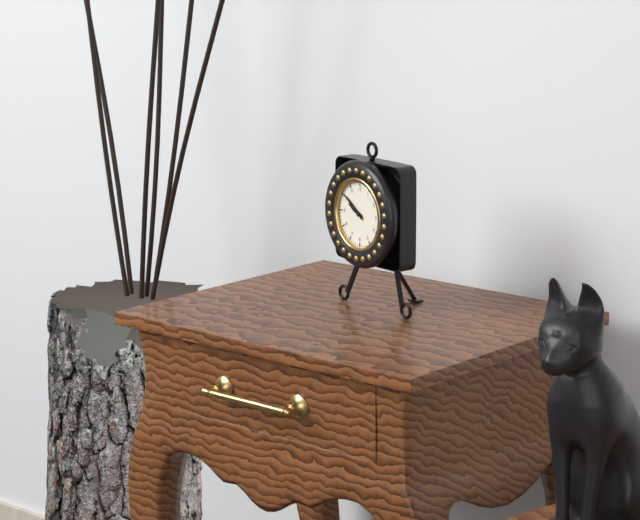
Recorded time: **9:51**
